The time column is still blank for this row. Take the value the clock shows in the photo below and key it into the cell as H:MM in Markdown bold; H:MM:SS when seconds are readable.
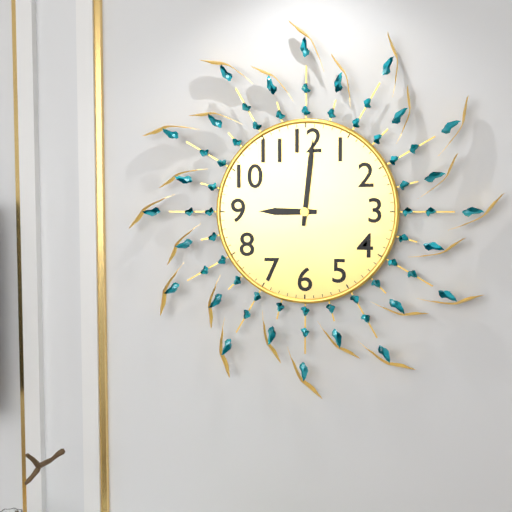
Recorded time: **9:01**
